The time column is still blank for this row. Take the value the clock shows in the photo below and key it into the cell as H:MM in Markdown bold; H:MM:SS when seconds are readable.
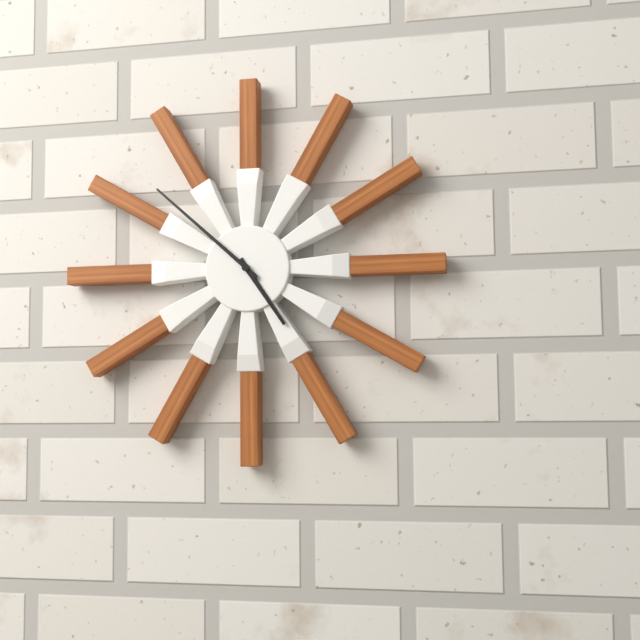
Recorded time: **4:52**
